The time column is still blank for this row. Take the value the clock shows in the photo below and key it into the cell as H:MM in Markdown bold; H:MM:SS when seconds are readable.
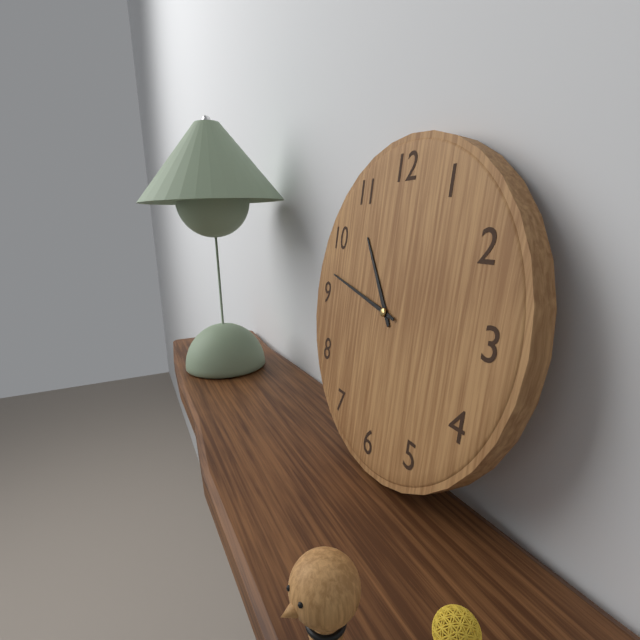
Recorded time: **10:47**
